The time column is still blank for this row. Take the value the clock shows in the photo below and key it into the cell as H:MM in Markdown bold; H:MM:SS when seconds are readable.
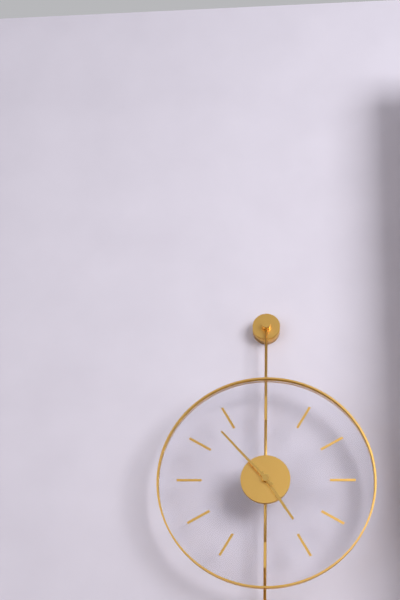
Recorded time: **4:53**
